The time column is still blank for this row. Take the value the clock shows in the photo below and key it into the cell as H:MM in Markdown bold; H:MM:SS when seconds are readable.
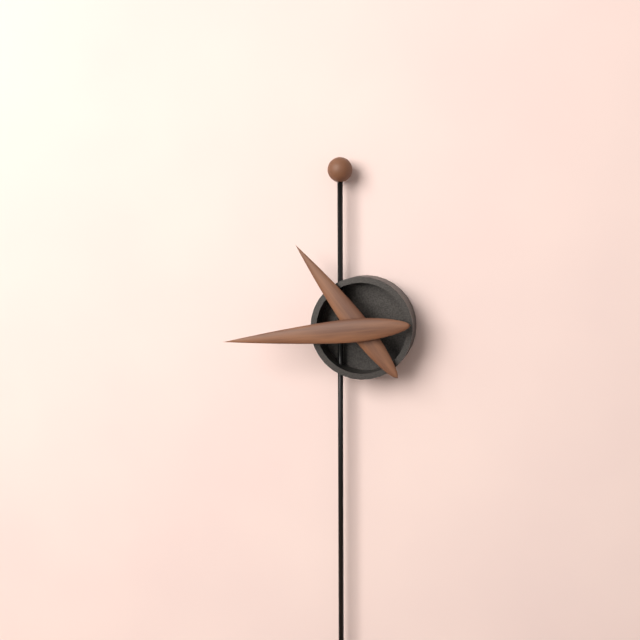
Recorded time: **10:44**
